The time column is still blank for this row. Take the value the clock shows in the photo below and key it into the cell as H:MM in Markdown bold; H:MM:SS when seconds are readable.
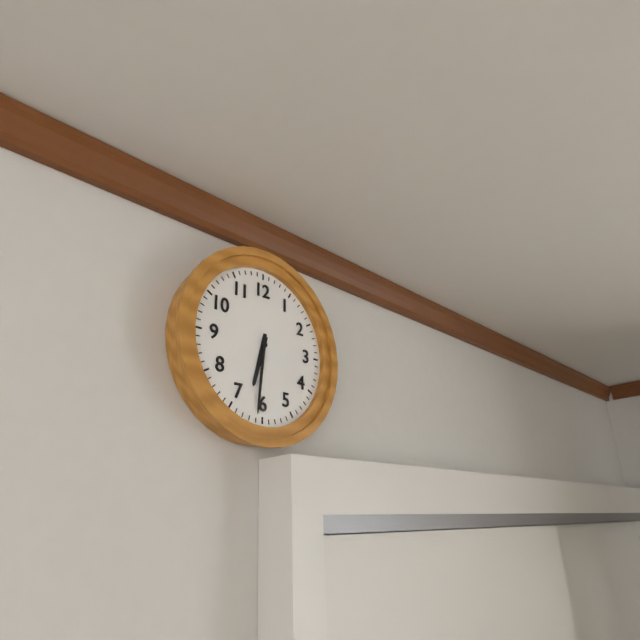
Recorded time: **6:31**
